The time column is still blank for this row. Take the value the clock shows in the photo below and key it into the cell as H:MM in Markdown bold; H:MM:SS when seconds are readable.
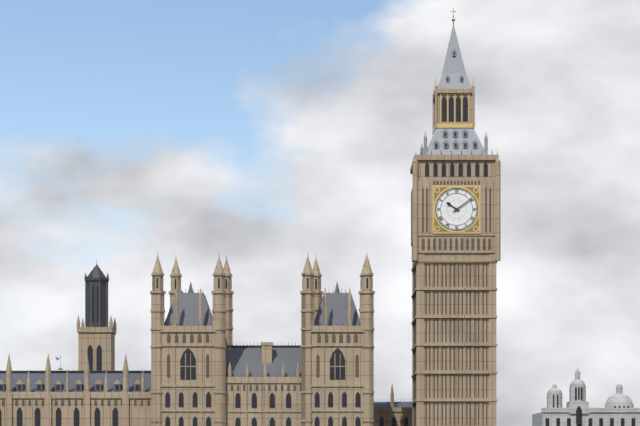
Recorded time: **10:09**
